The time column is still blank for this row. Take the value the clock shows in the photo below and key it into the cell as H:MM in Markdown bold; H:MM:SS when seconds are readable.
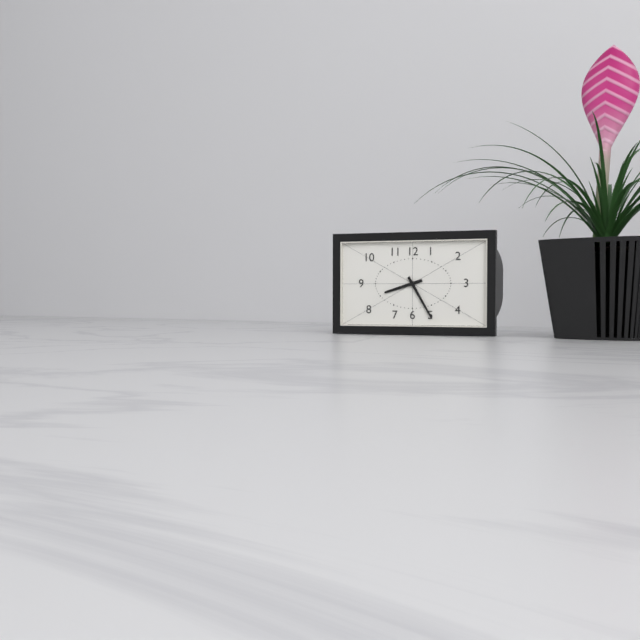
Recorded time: **8:25**
